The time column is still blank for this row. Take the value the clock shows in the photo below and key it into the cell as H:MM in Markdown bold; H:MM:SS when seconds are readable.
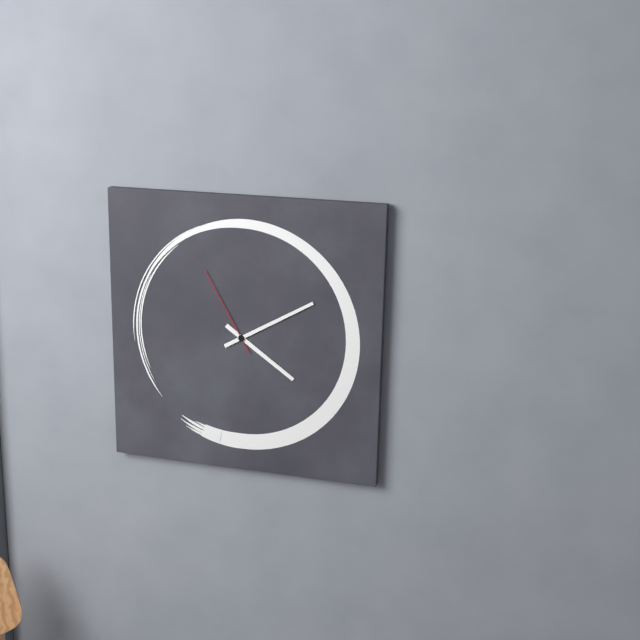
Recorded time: **4:10:55**
